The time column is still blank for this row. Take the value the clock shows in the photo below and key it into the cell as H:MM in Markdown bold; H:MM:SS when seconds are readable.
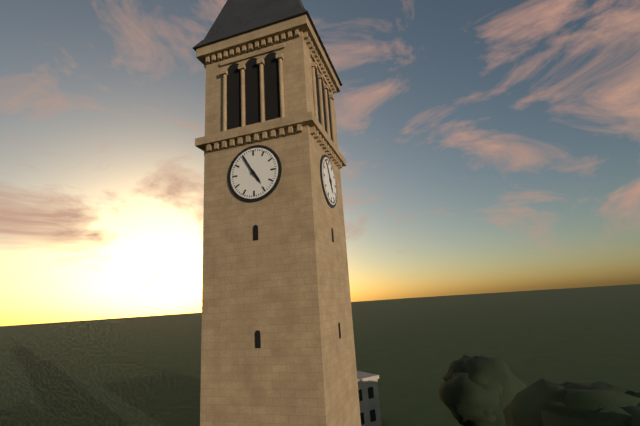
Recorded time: **4:55**
